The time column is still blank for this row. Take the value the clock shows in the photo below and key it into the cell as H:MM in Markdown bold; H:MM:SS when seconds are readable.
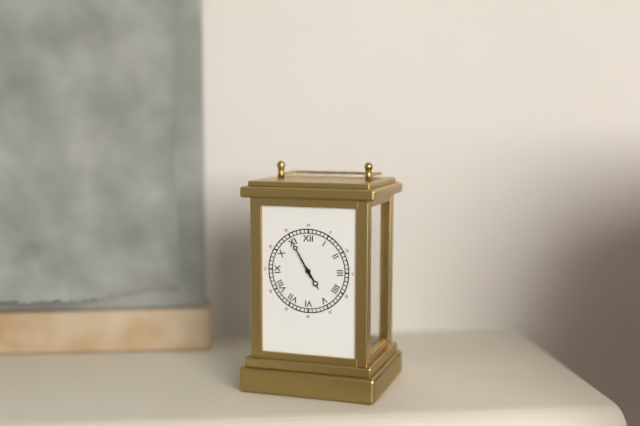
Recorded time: **4:55**
